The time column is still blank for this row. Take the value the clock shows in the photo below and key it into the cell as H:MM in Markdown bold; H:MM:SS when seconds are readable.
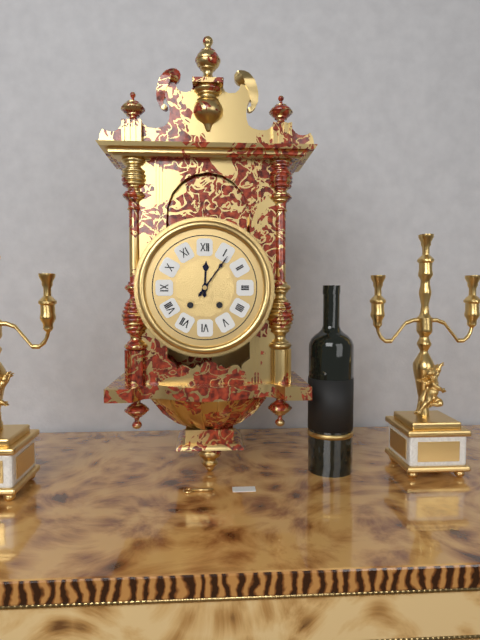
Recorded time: **12:06**
